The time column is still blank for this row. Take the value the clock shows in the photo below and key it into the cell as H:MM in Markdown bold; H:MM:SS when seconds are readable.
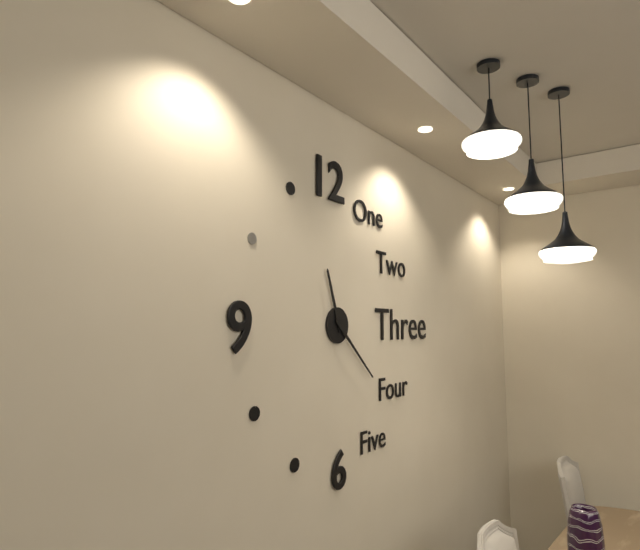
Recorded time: **11:22**
